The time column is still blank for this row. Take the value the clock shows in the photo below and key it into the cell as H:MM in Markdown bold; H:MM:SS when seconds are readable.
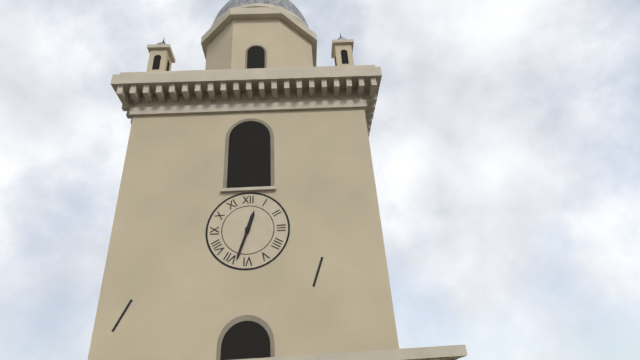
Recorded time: **12:33**
